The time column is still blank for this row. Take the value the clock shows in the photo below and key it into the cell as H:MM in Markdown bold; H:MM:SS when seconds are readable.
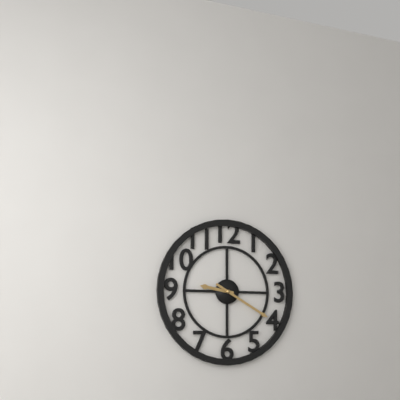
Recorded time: **9:20**
